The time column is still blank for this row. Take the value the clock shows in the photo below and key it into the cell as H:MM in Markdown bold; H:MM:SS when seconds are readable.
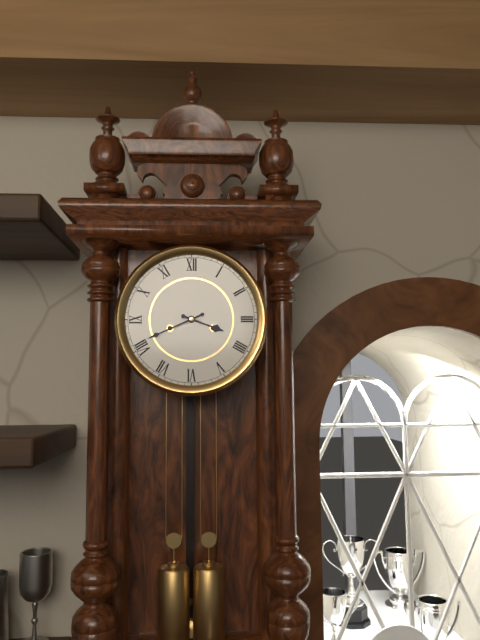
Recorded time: **3:41**
